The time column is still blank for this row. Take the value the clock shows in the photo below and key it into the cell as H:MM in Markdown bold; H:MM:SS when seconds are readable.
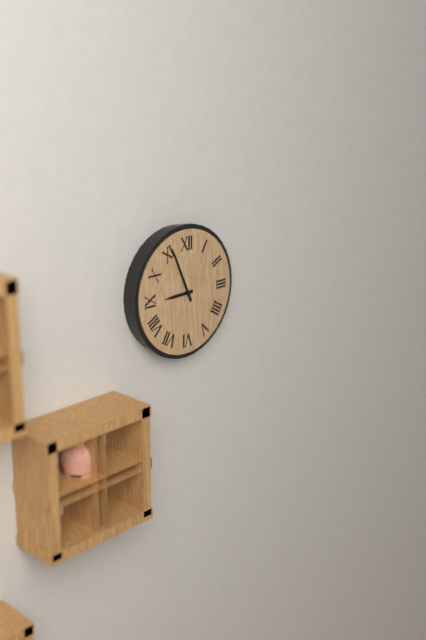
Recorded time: **8:56**
